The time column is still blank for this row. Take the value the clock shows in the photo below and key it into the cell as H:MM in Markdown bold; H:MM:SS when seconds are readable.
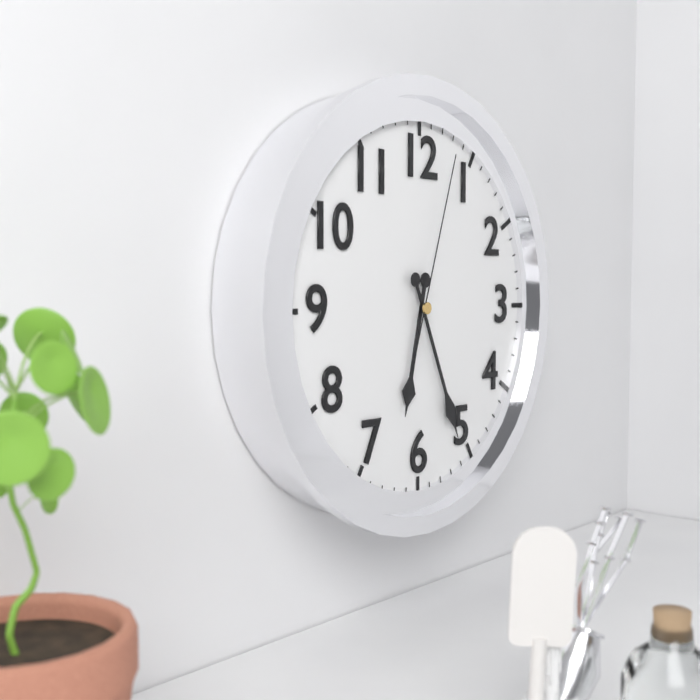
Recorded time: **6:26:03**
